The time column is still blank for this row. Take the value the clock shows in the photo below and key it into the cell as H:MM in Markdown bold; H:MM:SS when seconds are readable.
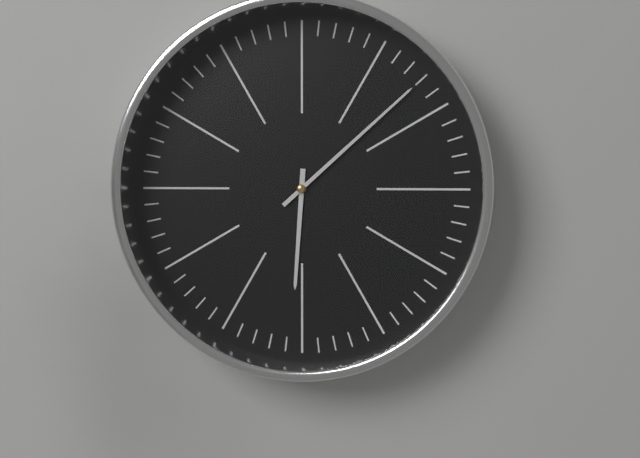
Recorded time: **6:08**
